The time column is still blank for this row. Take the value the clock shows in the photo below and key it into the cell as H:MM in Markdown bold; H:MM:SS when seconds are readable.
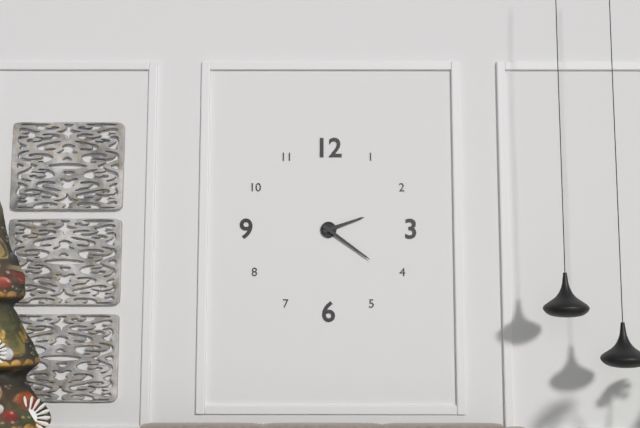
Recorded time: **2:21**
